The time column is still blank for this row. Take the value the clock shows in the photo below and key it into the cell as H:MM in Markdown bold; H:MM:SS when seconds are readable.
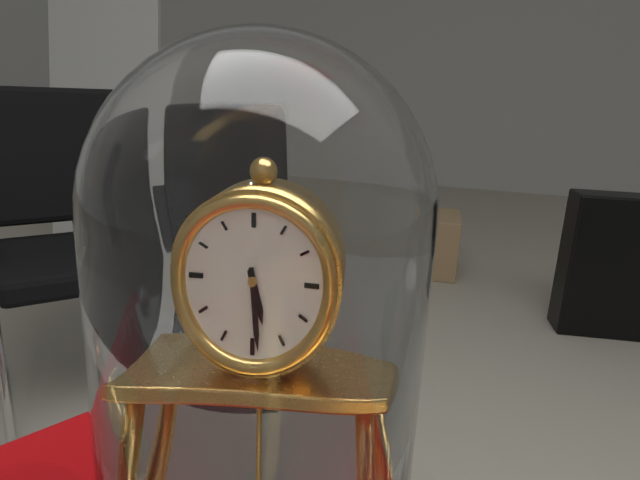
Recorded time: **5:29**
